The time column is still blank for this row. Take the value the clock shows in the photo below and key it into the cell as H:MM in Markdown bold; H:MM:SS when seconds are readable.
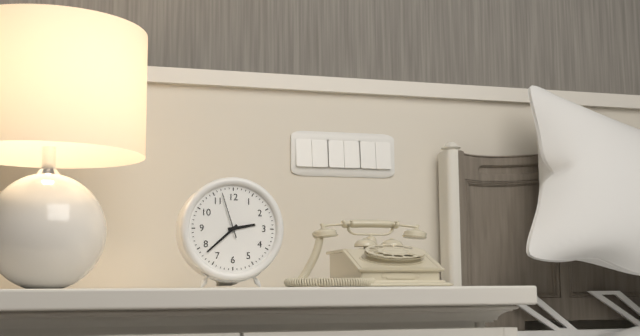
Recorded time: **2:38**
